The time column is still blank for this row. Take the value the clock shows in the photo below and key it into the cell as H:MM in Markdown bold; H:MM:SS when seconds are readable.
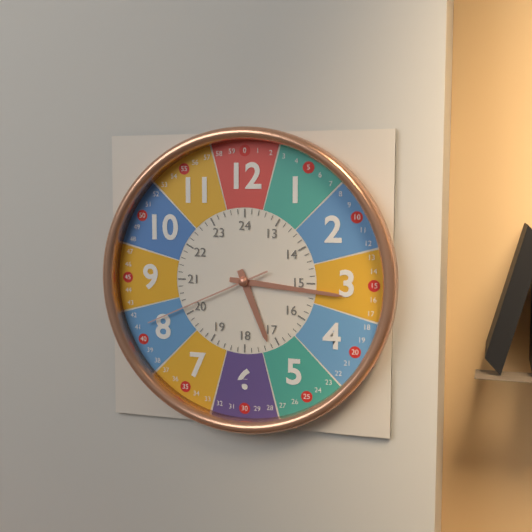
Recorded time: **5:16:41**
